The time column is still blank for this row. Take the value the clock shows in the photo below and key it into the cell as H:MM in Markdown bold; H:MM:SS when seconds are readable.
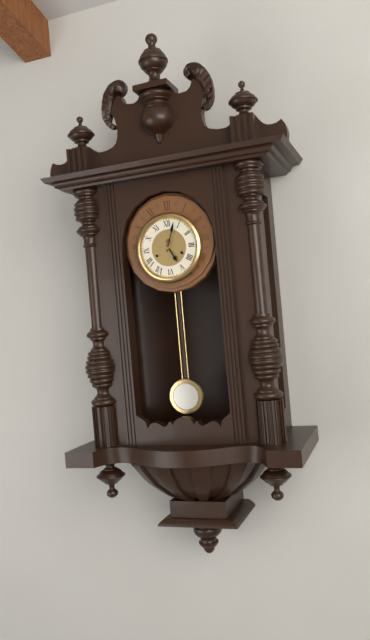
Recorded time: **5:03**
